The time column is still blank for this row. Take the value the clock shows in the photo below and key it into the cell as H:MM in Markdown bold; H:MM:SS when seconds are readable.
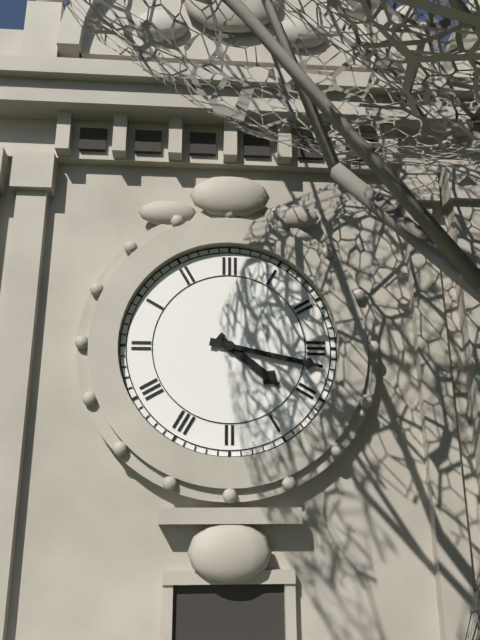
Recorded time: **4:17**
